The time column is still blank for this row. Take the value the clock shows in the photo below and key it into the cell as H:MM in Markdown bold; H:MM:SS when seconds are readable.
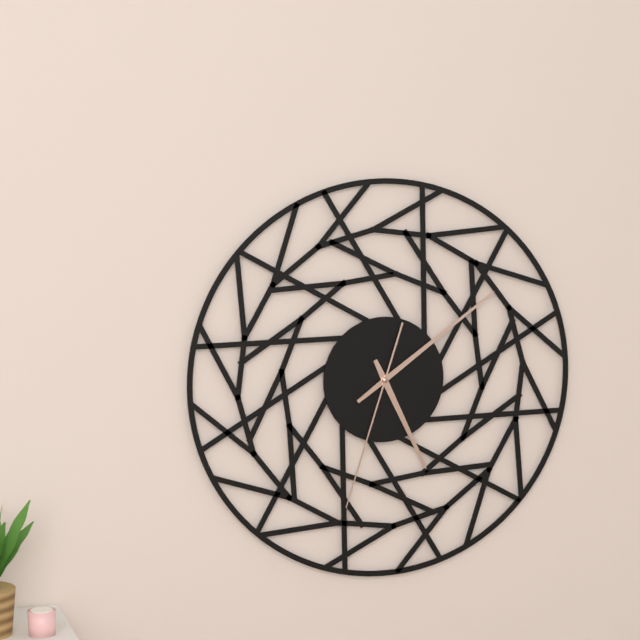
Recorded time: **5:09:33**
